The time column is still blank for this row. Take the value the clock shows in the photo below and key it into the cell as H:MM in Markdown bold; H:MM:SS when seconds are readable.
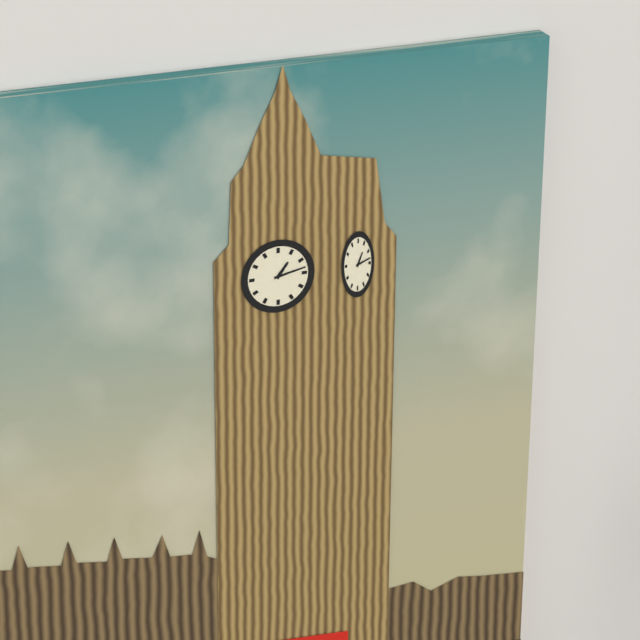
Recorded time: **1:13**
